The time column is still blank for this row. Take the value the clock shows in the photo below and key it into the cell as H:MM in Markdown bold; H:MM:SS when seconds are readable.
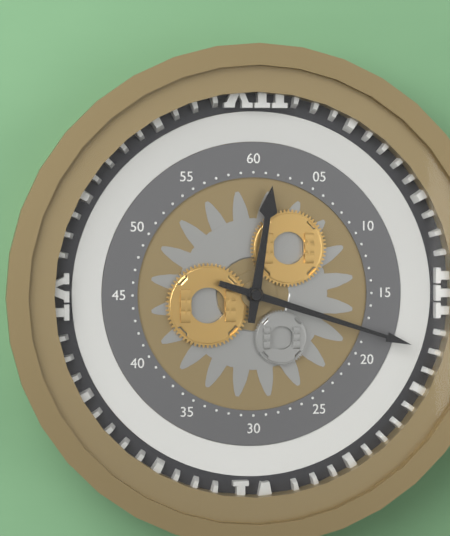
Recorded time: **12:18**
